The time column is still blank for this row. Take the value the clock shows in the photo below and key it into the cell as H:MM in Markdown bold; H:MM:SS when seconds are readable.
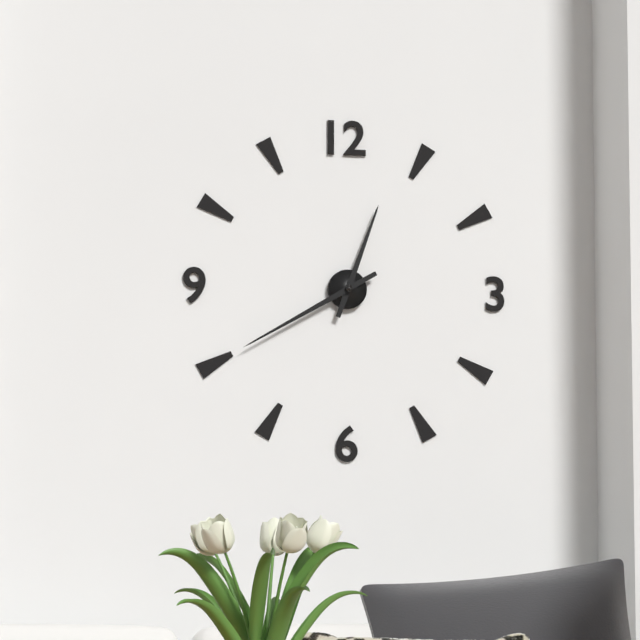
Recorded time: **12:40**
